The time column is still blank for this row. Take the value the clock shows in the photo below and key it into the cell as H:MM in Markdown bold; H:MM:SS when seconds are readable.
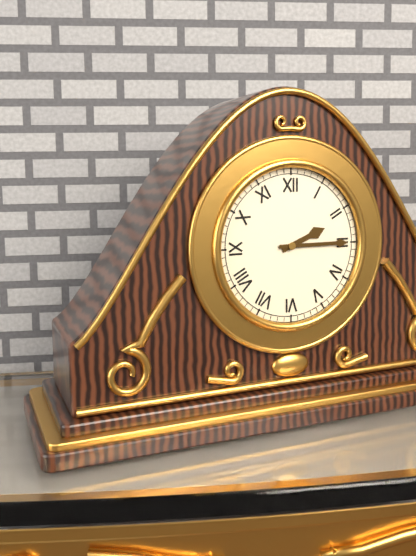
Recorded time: **2:15**
